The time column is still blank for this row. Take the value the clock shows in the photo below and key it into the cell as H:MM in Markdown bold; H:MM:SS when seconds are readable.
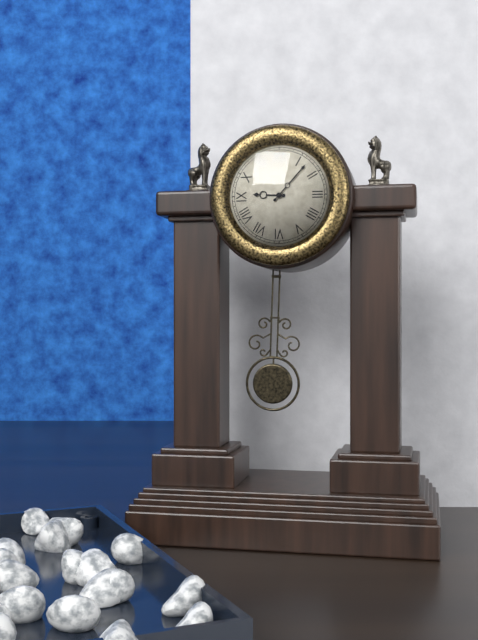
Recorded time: **9:07**
